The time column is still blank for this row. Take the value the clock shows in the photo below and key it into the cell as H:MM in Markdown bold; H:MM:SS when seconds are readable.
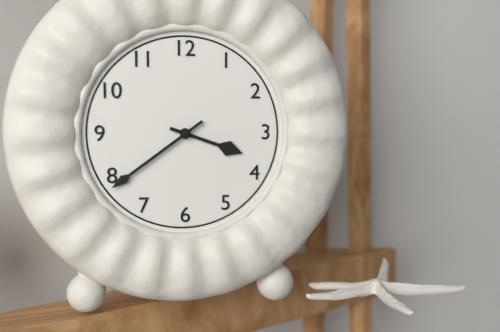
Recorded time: **3:39**
